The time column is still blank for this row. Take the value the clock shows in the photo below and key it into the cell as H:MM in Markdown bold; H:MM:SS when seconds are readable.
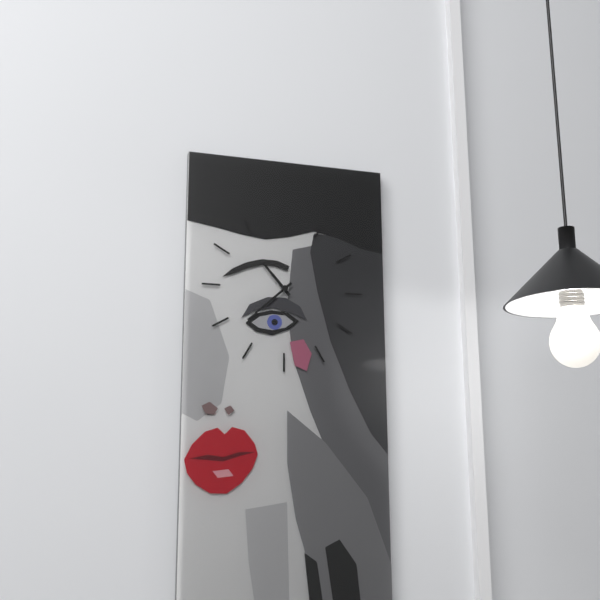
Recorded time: **10:38**
